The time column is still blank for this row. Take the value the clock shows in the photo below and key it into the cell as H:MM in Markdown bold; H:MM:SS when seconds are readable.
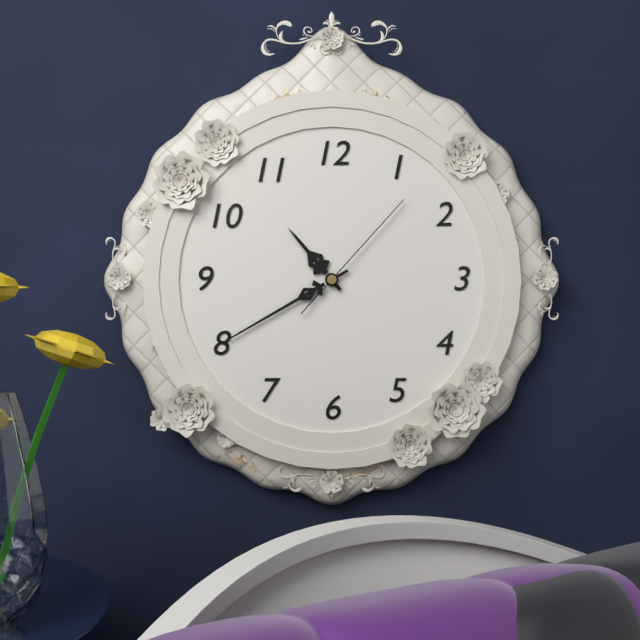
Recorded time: **10:40:07**
